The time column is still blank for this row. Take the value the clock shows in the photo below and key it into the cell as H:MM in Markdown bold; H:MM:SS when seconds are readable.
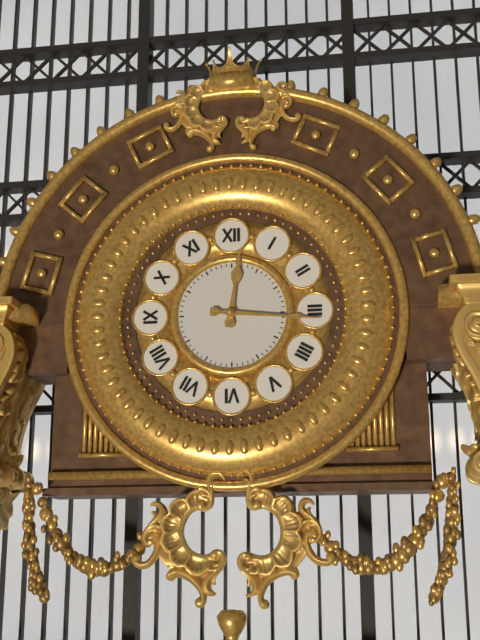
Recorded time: **12:16**
